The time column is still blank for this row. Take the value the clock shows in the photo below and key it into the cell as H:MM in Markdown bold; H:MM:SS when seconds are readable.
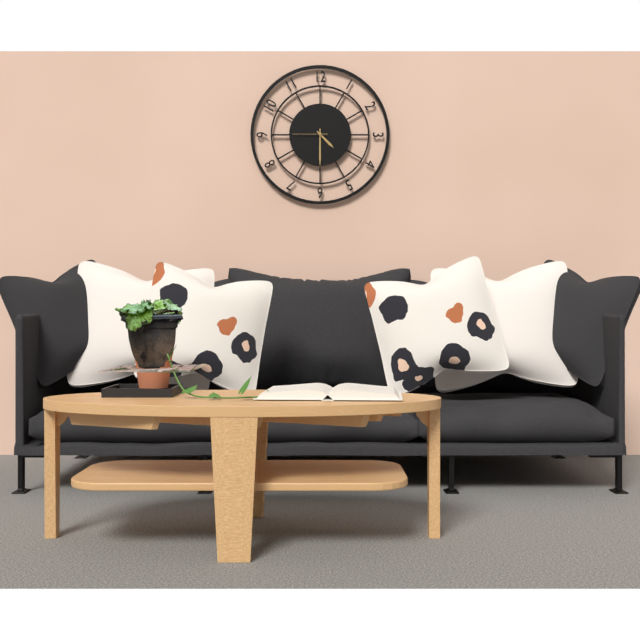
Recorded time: **4:30**
